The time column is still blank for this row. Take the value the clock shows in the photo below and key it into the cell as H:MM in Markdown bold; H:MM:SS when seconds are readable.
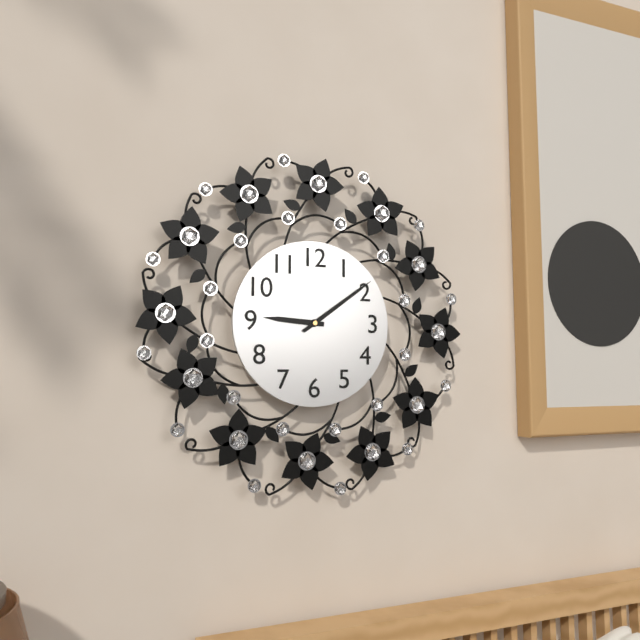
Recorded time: **9:09**
